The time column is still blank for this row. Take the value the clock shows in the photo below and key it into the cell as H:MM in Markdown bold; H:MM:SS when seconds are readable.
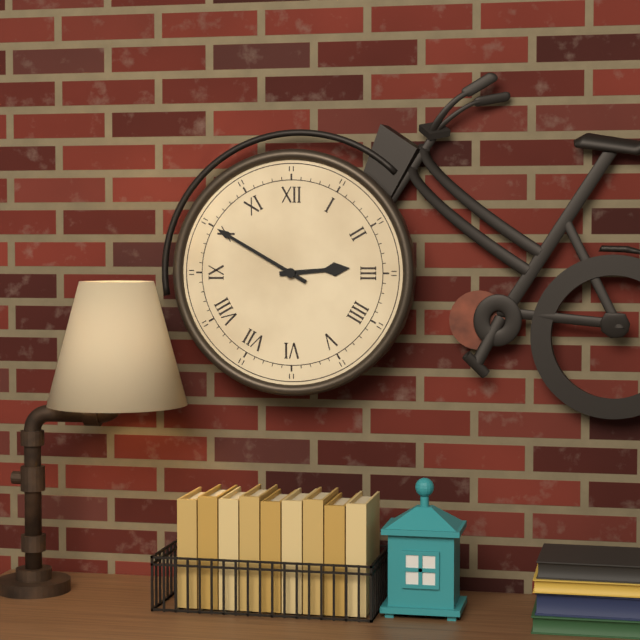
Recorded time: **2:50**
